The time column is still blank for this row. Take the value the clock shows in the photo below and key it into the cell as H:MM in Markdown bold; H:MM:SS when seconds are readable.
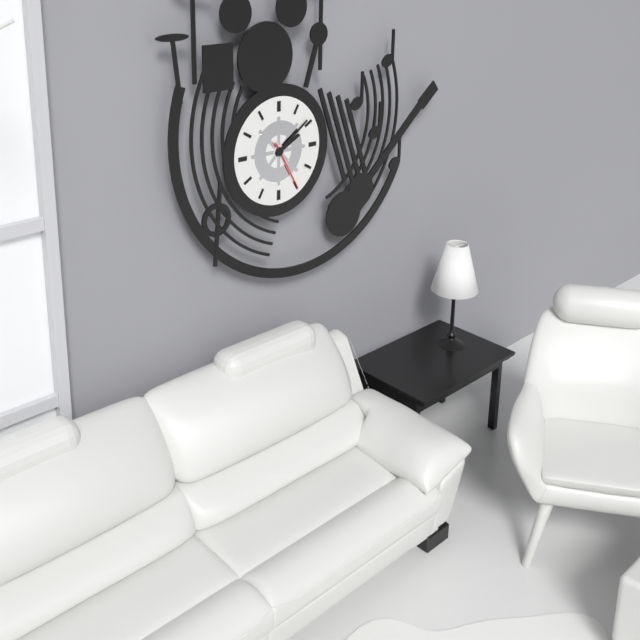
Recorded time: **2:09:25**
